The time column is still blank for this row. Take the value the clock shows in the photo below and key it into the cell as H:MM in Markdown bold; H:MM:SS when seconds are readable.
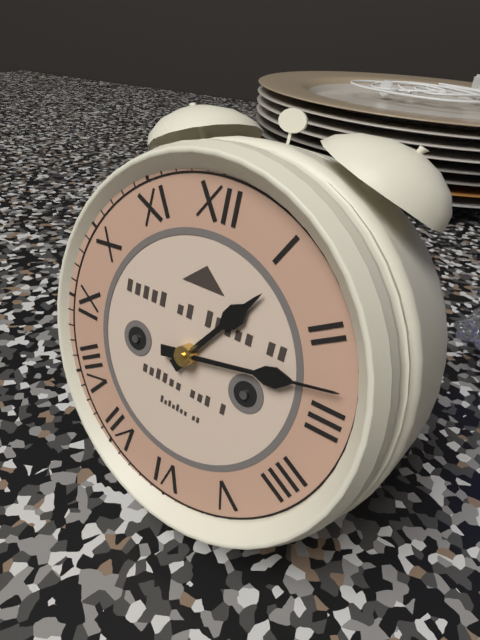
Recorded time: **1:13**
